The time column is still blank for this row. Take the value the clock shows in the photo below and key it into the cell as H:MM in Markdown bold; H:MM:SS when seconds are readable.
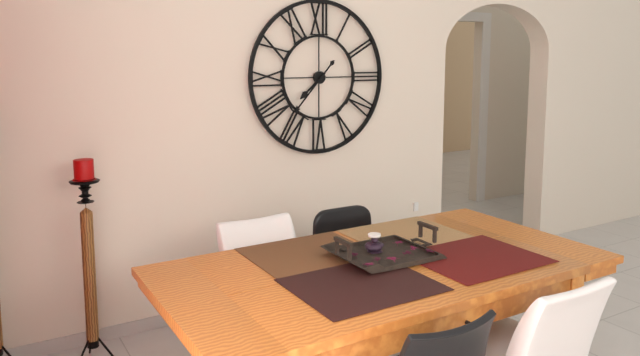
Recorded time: **7:37**
